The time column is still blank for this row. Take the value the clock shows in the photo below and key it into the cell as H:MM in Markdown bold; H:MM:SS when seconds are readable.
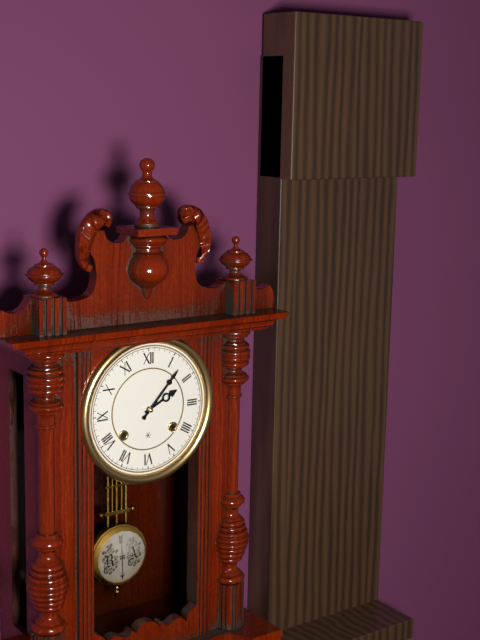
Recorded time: **2:07**
